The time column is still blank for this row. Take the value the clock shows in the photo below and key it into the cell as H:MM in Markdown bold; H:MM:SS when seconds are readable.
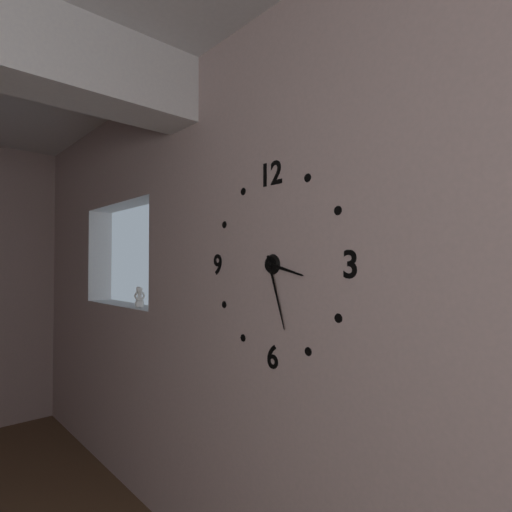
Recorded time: **3:27**
